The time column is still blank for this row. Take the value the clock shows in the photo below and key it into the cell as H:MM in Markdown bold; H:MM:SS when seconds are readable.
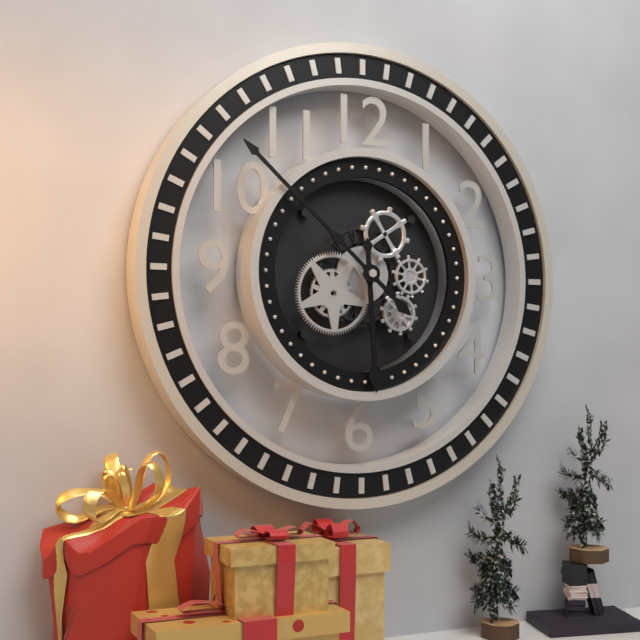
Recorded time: **5:52**
